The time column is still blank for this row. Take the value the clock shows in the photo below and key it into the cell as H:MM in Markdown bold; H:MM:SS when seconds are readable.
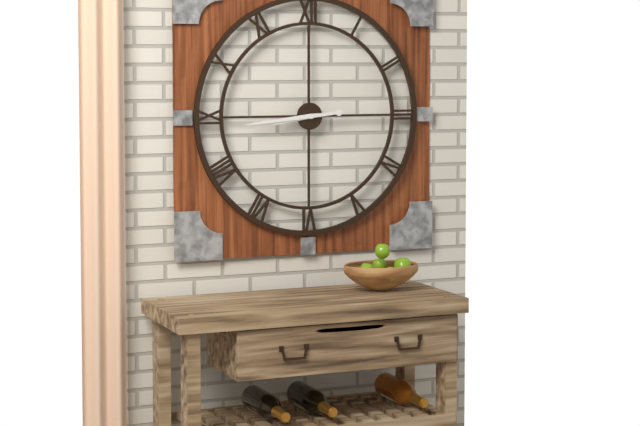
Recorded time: **8:44**
